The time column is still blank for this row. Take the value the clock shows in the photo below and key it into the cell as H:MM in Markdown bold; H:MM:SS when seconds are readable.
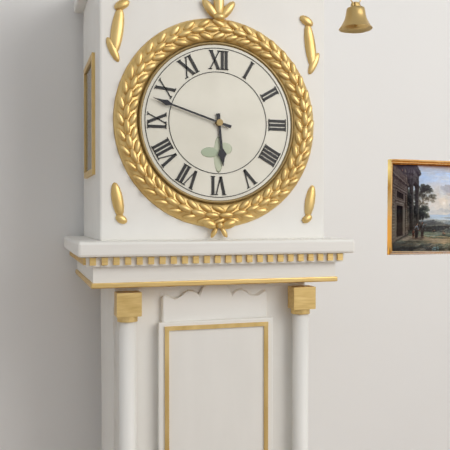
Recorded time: **5:48**
